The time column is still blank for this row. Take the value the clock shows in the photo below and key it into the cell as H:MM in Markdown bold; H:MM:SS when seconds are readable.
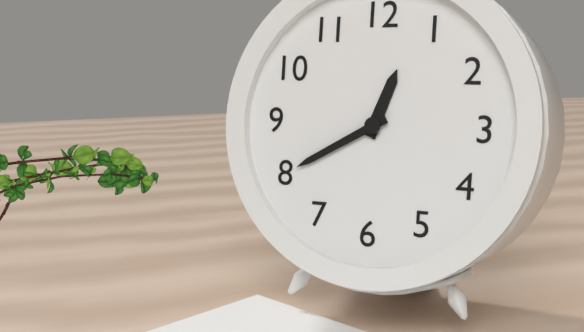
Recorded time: **12:40**
